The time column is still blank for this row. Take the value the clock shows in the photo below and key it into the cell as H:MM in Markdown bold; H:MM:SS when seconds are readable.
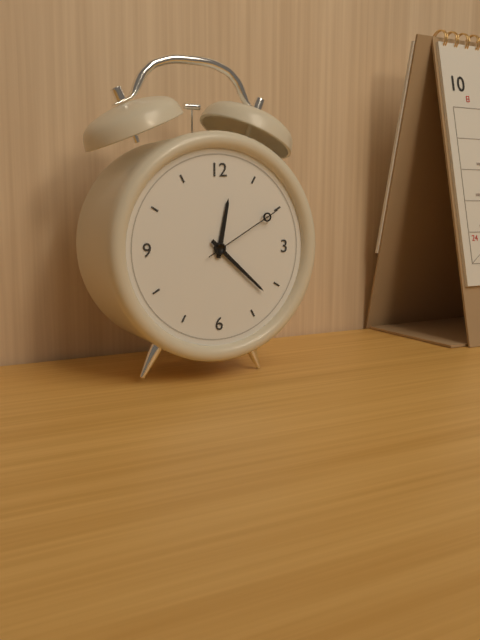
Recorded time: **12:22:10**
